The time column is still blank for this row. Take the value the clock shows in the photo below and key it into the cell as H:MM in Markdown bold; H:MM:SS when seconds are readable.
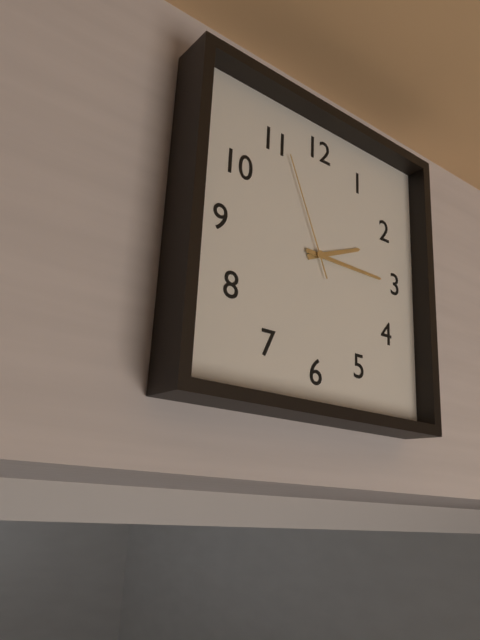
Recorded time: **2:15:56**
